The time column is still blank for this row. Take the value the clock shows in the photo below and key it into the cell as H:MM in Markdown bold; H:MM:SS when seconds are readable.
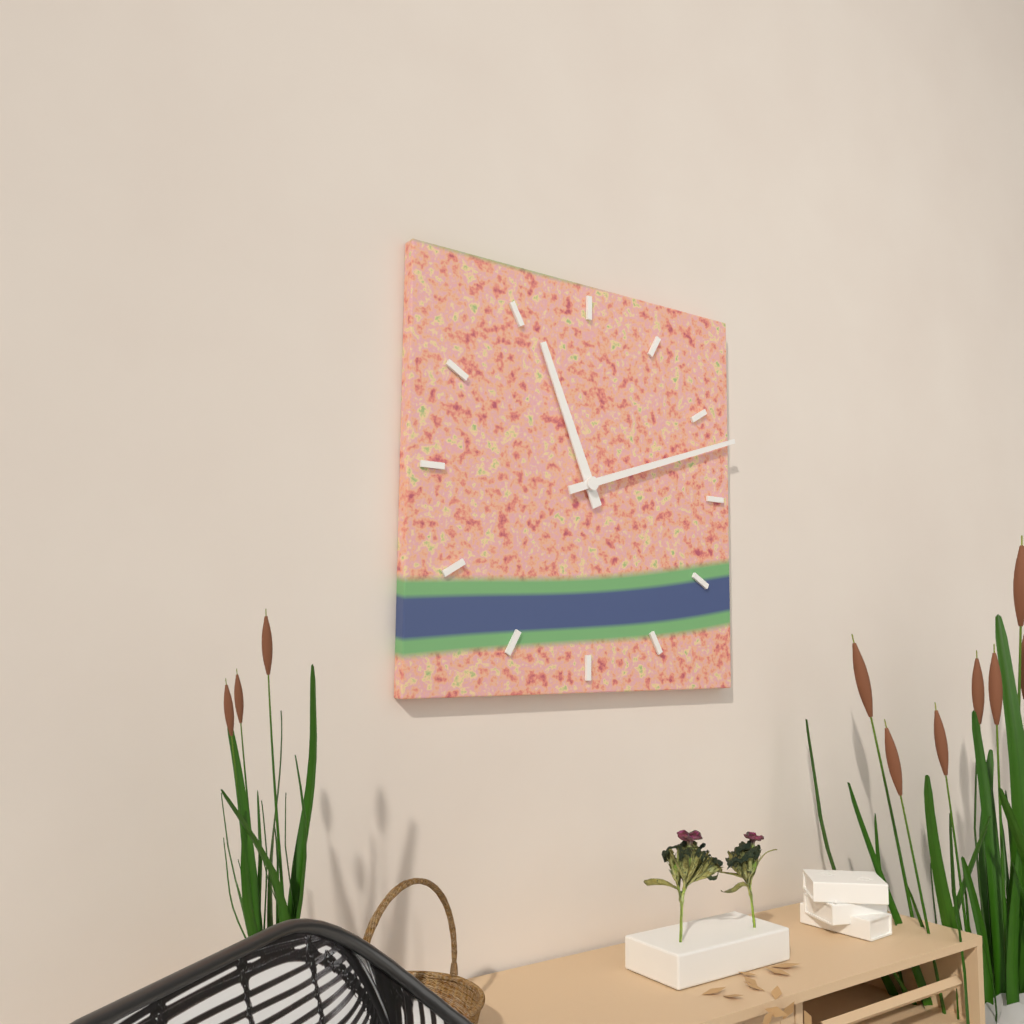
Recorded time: **11:12**
